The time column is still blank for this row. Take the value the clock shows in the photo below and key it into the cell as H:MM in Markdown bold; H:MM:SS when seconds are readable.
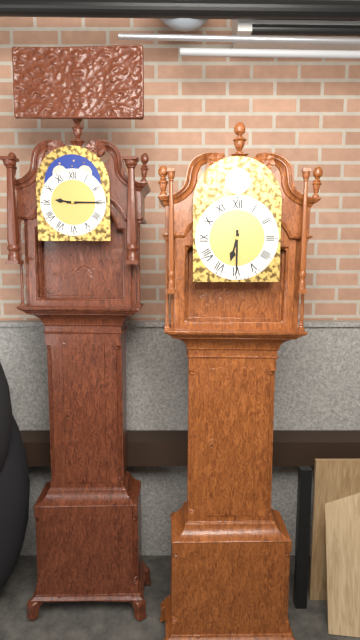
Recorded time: **6:30**
